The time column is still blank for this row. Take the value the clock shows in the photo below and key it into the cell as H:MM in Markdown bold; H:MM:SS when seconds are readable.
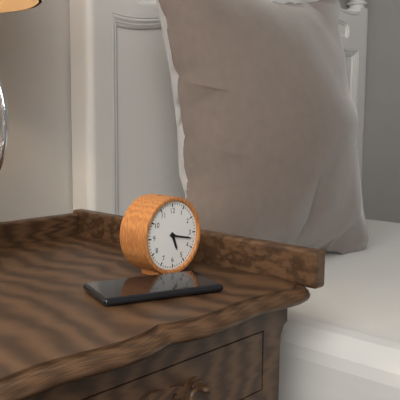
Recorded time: **5:17**
